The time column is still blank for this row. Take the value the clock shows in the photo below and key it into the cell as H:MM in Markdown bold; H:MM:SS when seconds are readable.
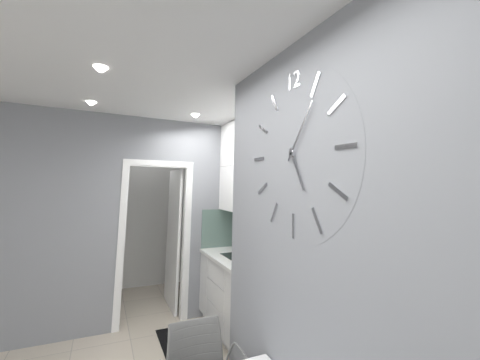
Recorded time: **5:06**
